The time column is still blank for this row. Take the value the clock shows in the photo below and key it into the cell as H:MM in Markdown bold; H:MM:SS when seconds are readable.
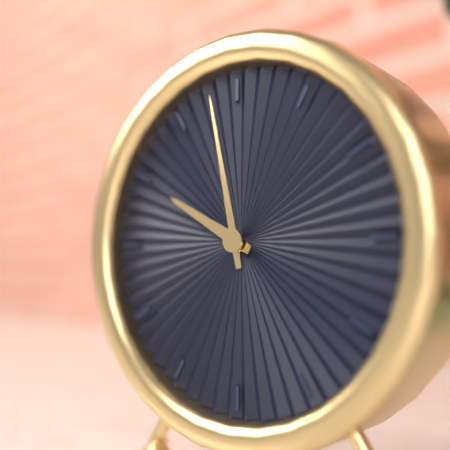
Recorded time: **9:58**
